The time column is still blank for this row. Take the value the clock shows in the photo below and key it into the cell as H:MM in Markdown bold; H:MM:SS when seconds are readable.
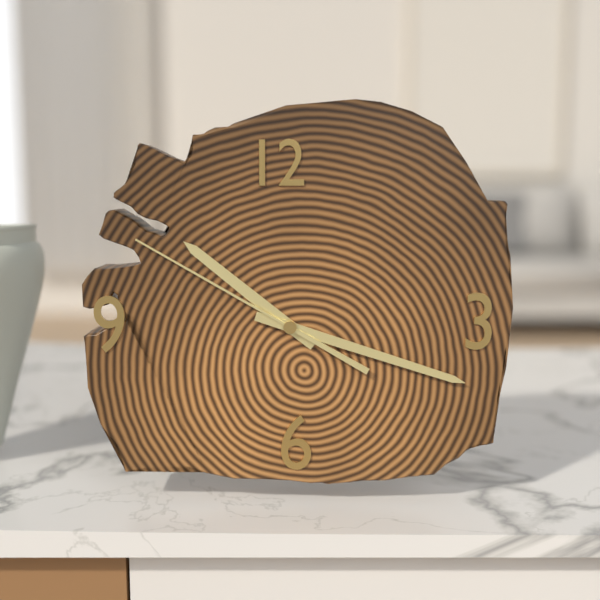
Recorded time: **10:18:50**
